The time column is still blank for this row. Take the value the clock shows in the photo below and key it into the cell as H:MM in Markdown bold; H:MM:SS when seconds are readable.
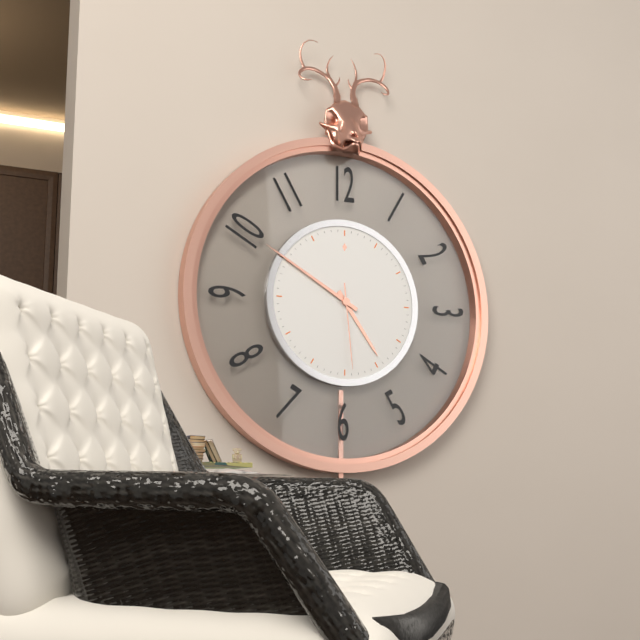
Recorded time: **4:50:29**
